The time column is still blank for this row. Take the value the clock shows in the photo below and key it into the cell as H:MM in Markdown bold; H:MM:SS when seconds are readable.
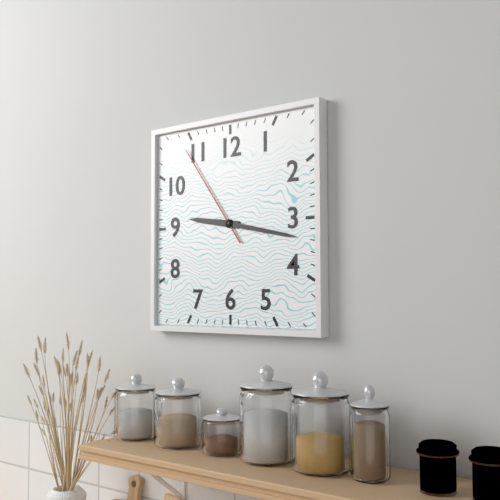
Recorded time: **9:17:54**
